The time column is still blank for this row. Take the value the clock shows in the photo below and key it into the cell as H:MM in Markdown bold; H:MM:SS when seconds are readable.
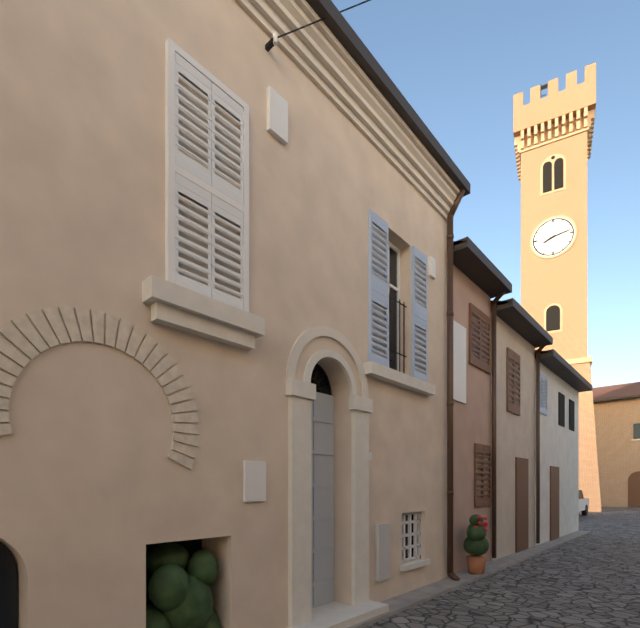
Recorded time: **8:13**
